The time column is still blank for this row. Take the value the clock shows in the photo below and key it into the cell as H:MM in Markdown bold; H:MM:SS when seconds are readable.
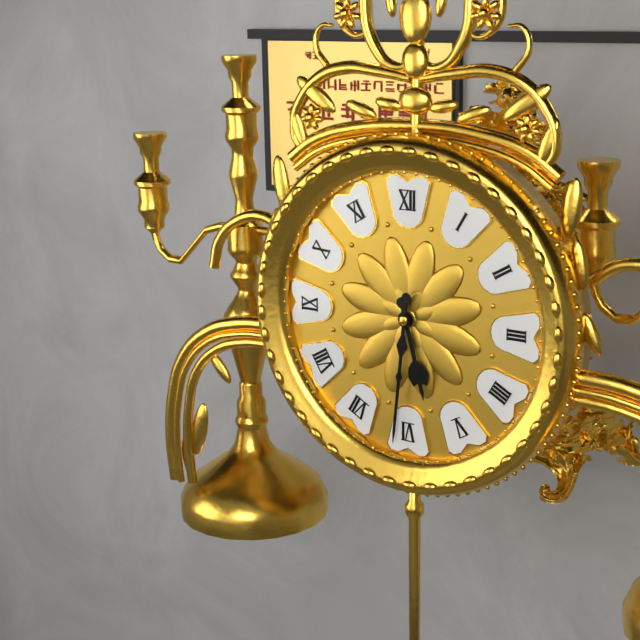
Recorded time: **5:31**
